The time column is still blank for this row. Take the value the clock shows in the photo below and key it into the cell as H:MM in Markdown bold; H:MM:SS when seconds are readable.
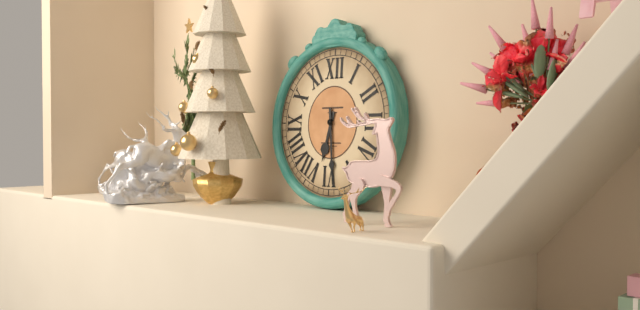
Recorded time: **6:29**
